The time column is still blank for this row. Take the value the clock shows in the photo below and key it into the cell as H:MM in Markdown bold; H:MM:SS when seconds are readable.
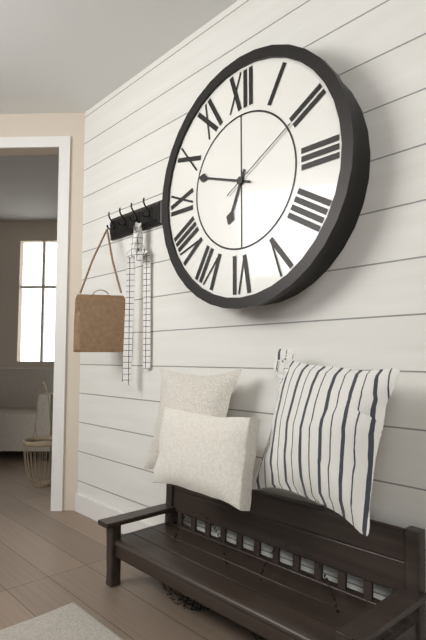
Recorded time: **6:48:10**
